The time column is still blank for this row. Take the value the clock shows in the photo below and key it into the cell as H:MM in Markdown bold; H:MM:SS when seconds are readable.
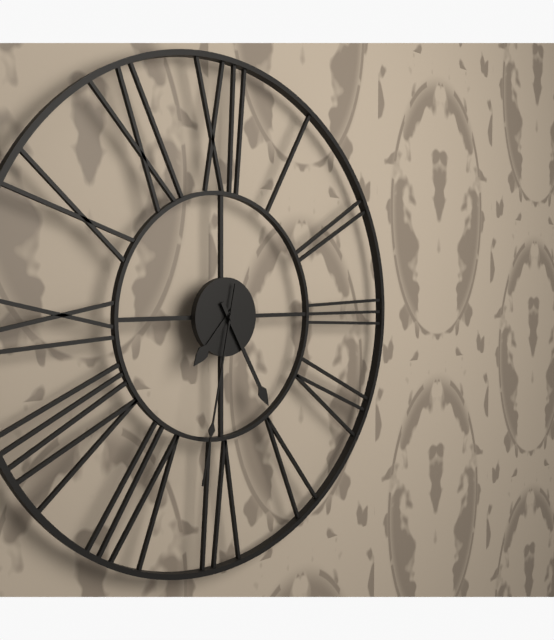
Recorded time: **7:25:32**
